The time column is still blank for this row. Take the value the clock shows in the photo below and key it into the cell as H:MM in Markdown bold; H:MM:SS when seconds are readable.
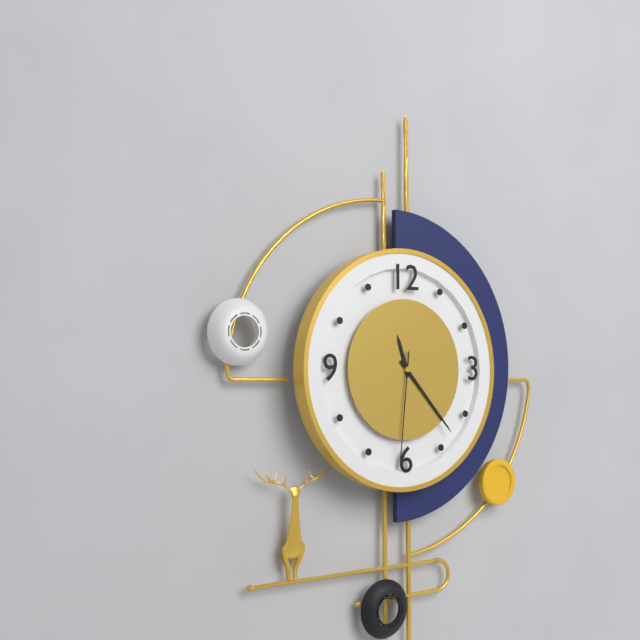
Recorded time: **11:23:31**
